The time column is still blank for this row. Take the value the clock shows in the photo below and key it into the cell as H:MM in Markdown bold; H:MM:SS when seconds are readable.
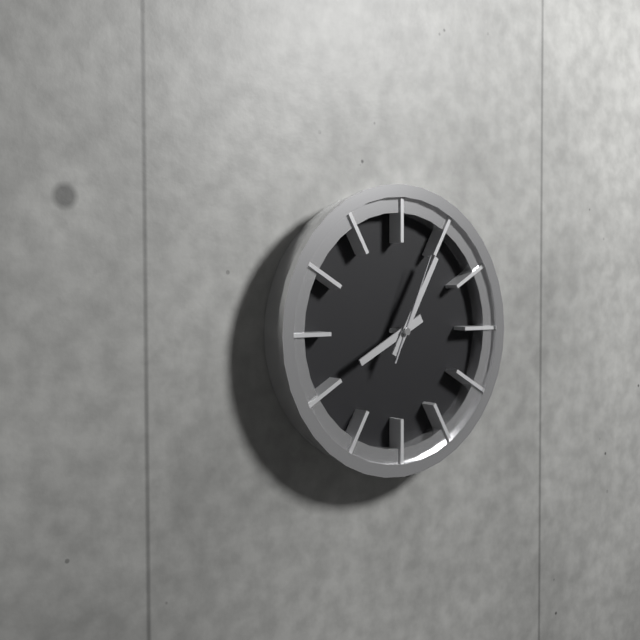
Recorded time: **8:05:04**
